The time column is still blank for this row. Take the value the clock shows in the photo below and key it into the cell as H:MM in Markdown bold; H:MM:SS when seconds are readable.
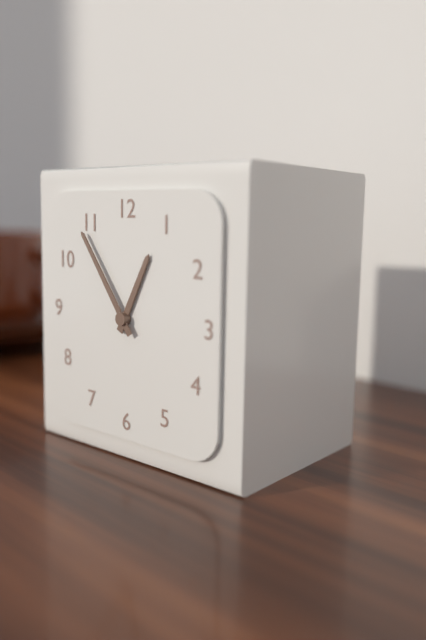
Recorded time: **12:54**
